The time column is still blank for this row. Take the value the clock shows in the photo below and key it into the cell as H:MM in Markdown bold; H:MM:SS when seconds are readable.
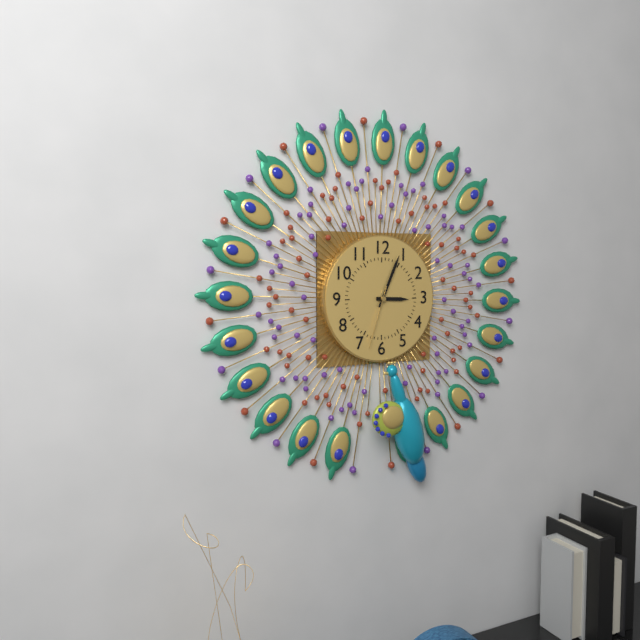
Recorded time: **3:04:33**
